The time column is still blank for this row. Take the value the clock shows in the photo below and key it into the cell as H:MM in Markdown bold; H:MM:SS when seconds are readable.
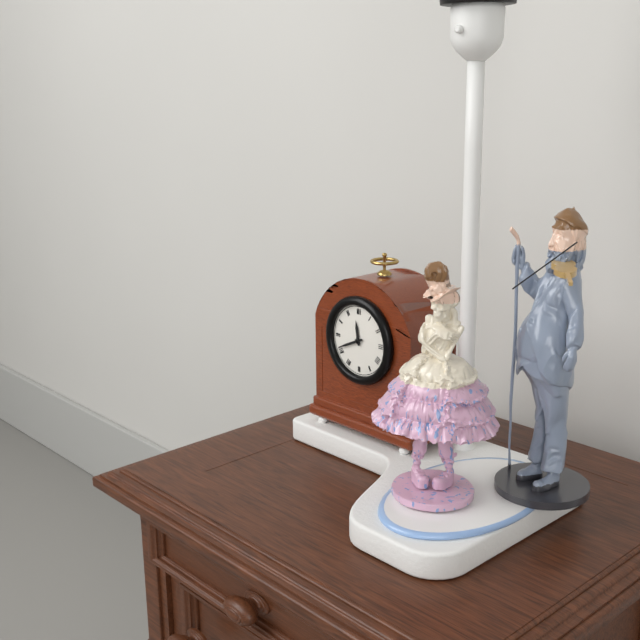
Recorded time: **11:41**
